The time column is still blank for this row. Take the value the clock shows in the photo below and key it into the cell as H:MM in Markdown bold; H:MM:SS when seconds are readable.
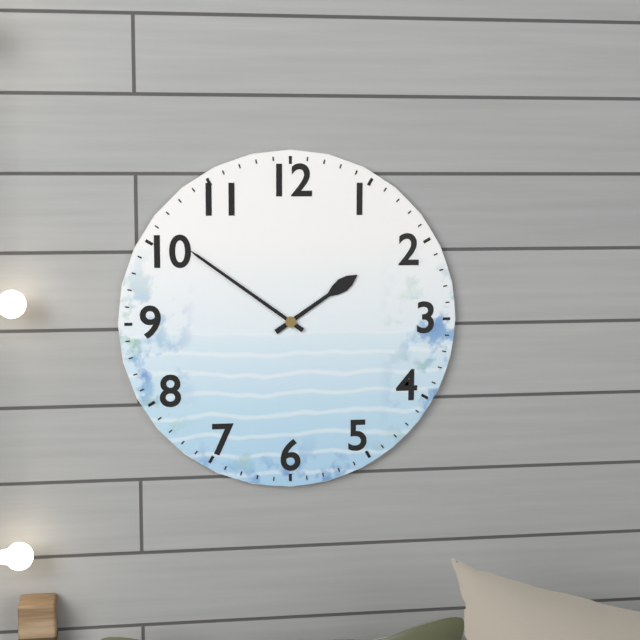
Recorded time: **1:51**
